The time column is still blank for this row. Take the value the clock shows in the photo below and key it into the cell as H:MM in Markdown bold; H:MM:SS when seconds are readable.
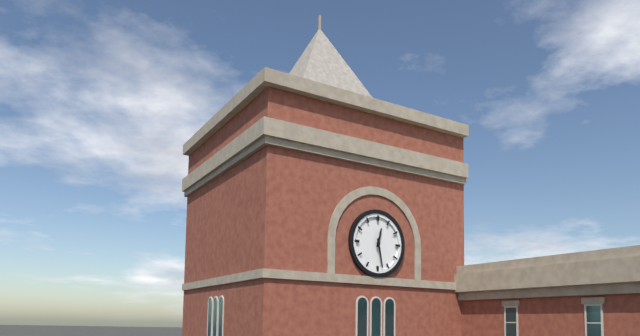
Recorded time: **12:28**
